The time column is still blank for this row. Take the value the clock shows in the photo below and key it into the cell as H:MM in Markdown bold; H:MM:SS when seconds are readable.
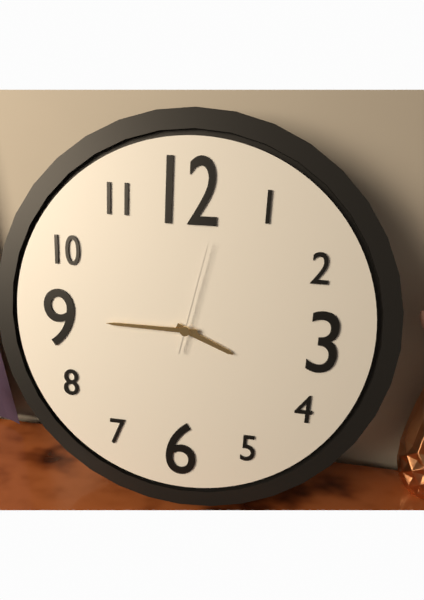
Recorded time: **3:45:02**
